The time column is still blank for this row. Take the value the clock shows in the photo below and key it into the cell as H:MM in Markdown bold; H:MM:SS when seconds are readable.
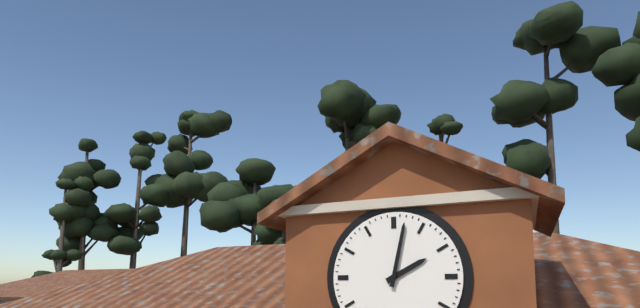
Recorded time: **2:02**
